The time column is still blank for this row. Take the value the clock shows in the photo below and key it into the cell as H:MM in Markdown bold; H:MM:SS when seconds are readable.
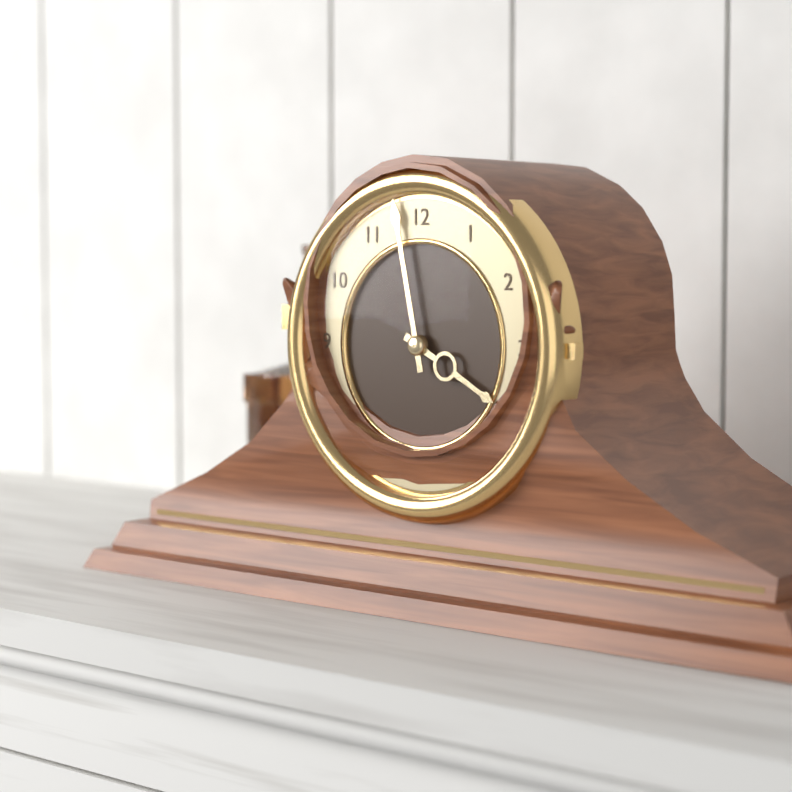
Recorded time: **3:58**
